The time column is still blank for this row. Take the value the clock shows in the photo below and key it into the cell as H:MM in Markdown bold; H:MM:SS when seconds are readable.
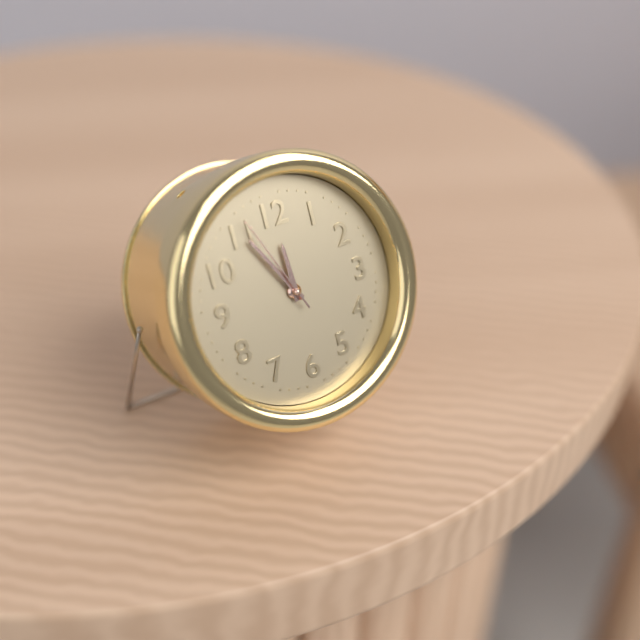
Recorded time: **11:55:56**
